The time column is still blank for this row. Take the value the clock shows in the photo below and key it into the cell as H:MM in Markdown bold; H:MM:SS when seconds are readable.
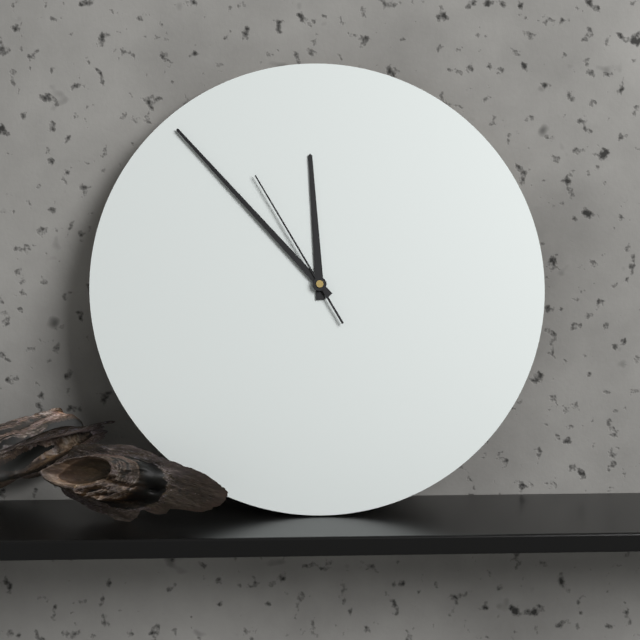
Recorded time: **11:53:55**
